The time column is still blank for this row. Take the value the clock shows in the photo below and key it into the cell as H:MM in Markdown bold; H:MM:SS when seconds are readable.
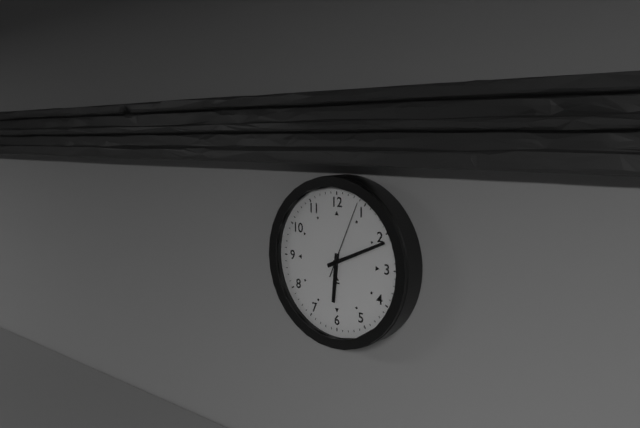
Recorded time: **6:11:04**
